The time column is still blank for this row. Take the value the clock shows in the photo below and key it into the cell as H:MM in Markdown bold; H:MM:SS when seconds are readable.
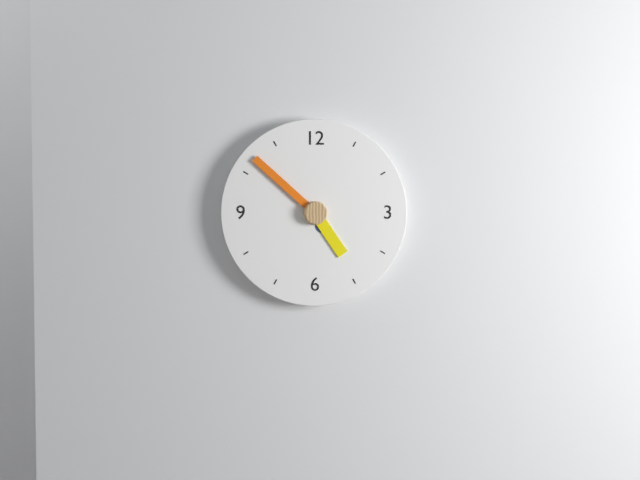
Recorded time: **4:52**
